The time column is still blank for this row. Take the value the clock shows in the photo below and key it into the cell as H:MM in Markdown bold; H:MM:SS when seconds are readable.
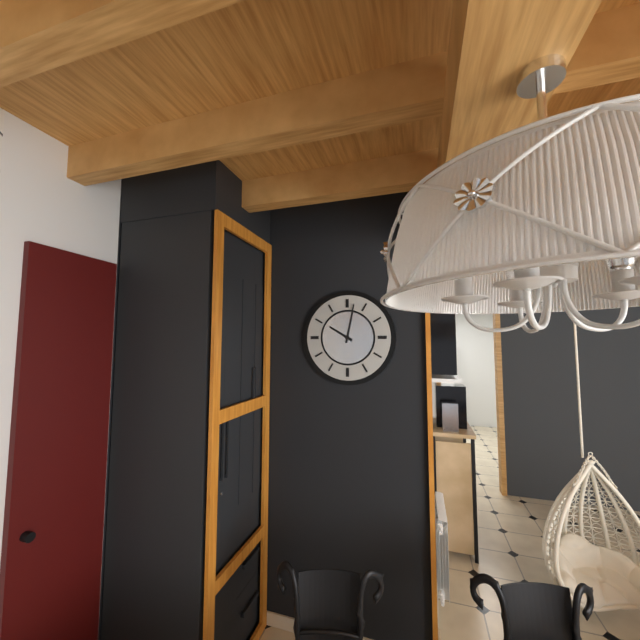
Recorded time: **10:02**
